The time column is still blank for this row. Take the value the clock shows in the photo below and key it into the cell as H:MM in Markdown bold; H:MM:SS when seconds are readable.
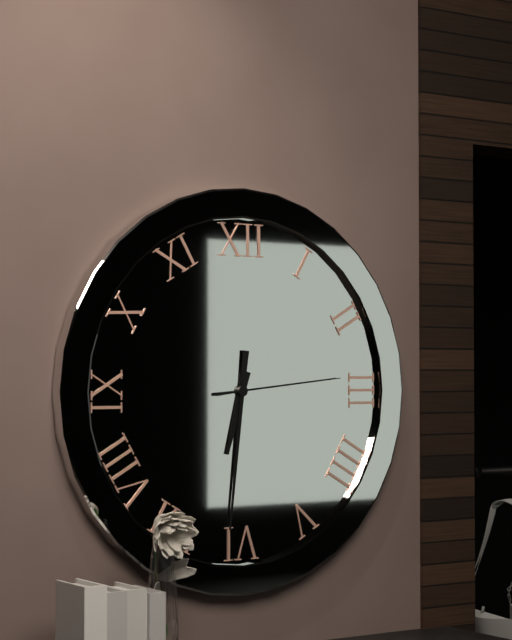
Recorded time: **6:31:14**
